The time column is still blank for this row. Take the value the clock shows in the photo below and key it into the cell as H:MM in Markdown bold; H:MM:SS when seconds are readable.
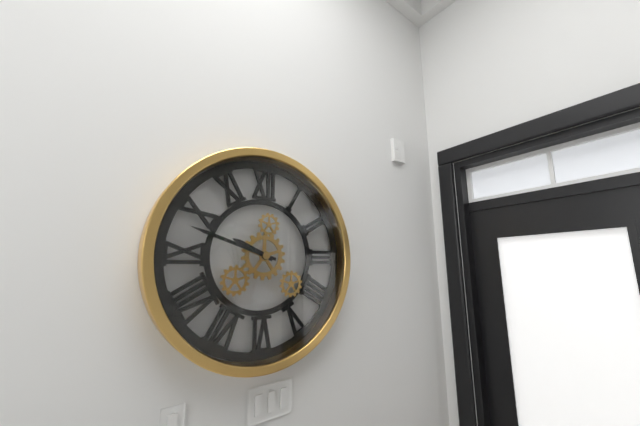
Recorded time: **9:48**
